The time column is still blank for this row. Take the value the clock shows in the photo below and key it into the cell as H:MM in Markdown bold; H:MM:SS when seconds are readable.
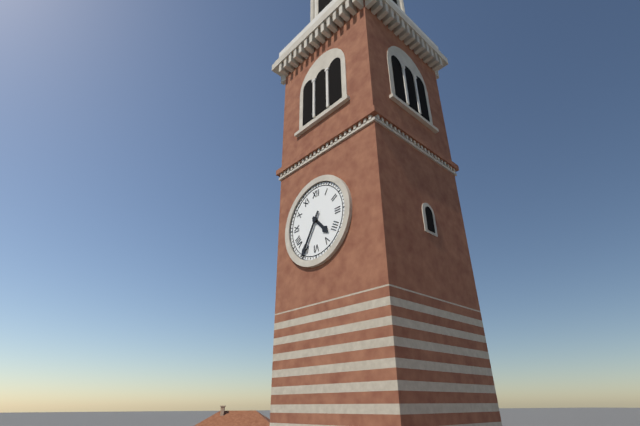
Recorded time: **4:35**
